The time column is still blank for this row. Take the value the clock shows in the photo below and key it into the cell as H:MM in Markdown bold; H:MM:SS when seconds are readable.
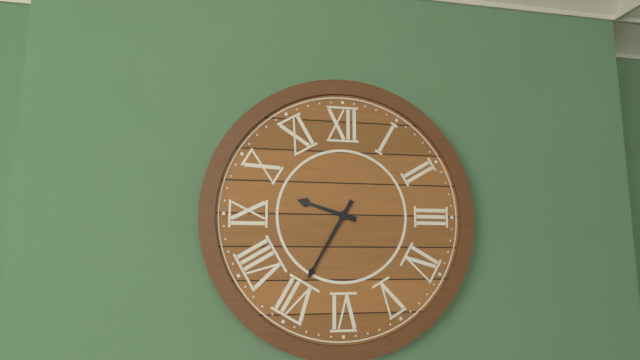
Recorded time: **9:35**
